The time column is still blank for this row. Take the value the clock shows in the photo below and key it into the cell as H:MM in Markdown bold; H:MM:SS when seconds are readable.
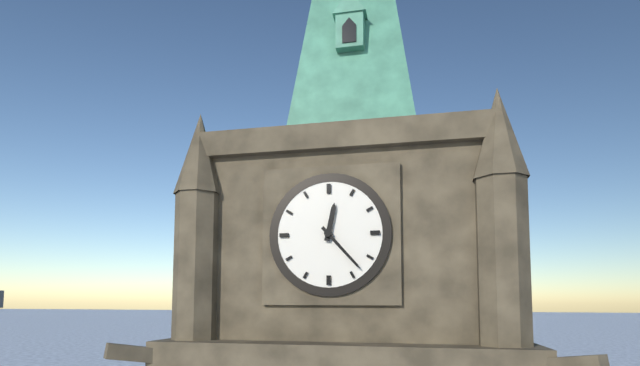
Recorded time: **12:23**
